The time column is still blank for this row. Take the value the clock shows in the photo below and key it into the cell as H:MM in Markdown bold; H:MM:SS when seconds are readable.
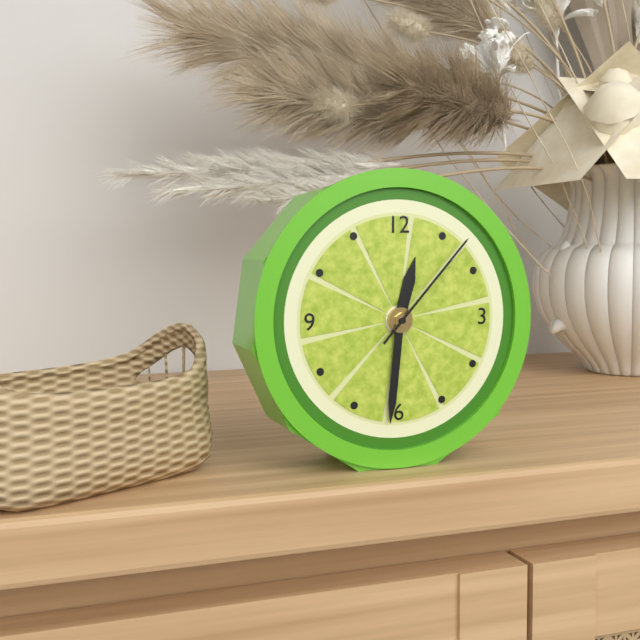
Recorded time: **12:31:07**
